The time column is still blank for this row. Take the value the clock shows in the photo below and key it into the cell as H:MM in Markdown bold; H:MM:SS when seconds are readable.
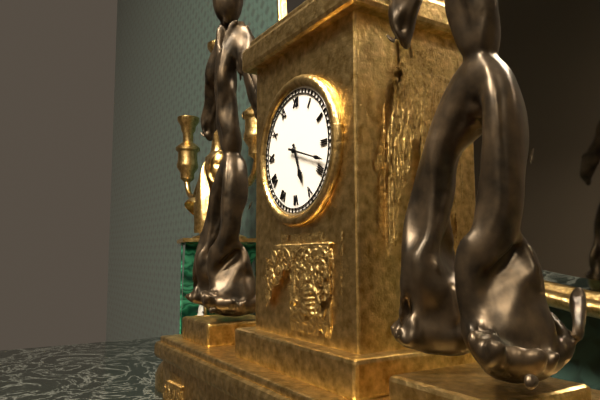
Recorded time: **5:18**
